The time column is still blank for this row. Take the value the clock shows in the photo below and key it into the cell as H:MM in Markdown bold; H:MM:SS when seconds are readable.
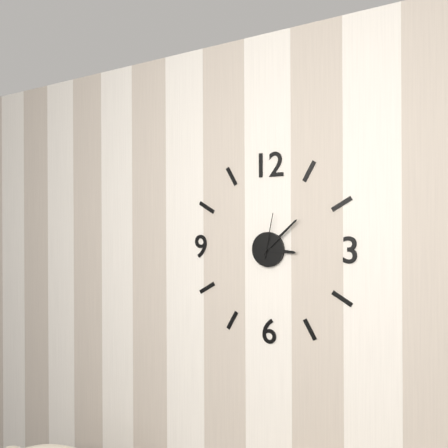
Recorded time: **3:08**
